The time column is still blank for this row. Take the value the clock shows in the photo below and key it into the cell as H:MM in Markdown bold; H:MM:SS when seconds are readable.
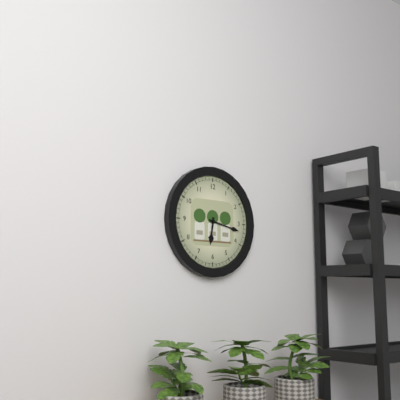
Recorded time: **6:17**
